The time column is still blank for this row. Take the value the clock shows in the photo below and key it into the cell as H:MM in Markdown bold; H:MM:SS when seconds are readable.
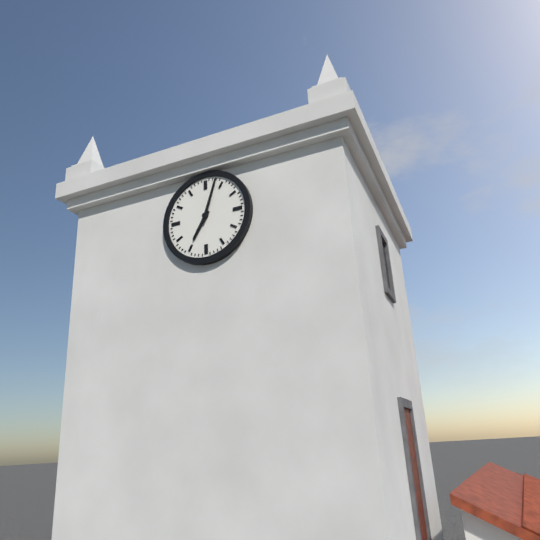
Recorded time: **7:03**
